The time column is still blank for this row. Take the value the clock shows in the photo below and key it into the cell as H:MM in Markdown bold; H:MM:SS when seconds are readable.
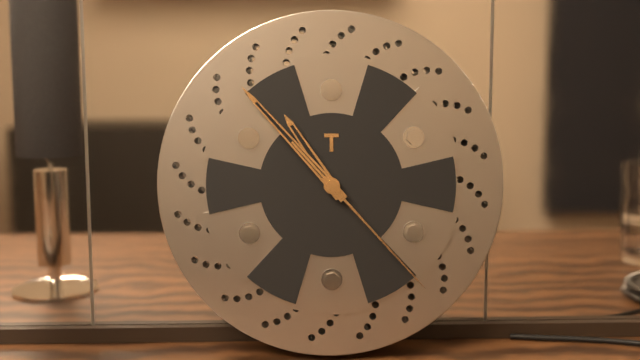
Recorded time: **10:53:23**
